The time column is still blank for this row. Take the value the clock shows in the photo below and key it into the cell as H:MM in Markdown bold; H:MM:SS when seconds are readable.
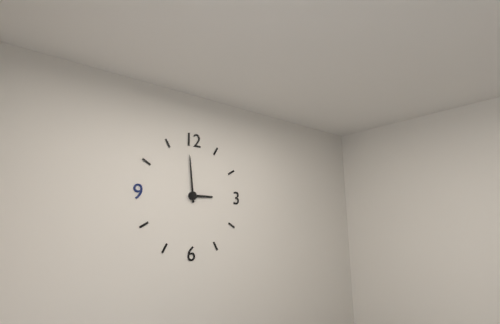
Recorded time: **2:59**
